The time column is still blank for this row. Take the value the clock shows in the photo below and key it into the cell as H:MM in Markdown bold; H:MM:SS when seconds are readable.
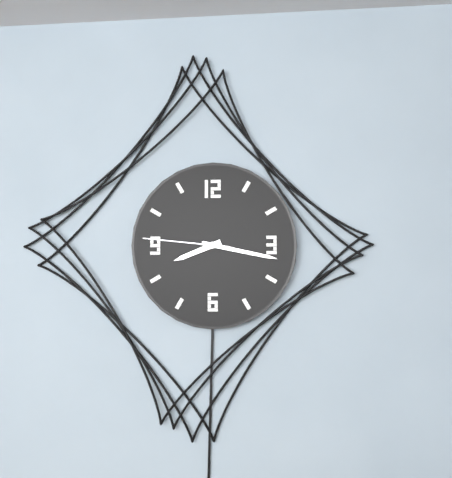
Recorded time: **8:17:46**
